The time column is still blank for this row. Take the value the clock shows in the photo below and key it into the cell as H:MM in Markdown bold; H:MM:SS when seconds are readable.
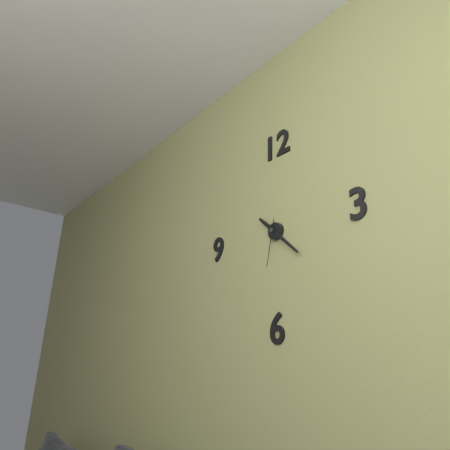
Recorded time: **10:22**
